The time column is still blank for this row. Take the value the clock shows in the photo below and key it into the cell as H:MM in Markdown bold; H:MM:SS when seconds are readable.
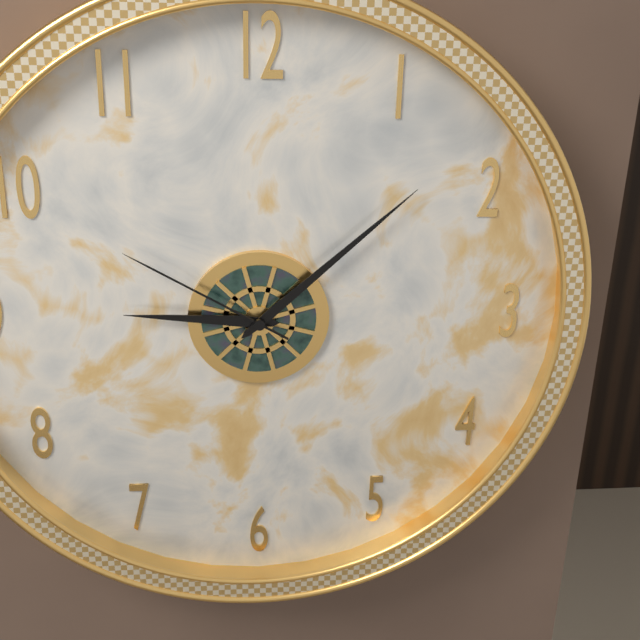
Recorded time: **9:08:50**
